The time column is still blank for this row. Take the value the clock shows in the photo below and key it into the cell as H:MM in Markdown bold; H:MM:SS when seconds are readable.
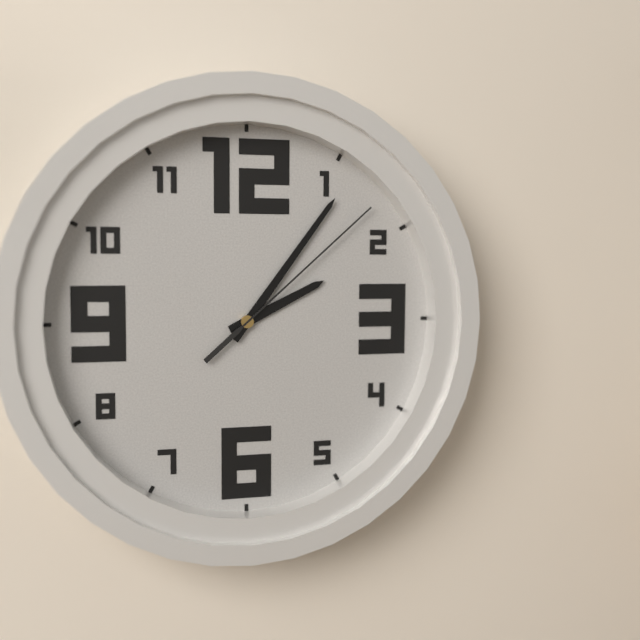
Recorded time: **2:06:08**
